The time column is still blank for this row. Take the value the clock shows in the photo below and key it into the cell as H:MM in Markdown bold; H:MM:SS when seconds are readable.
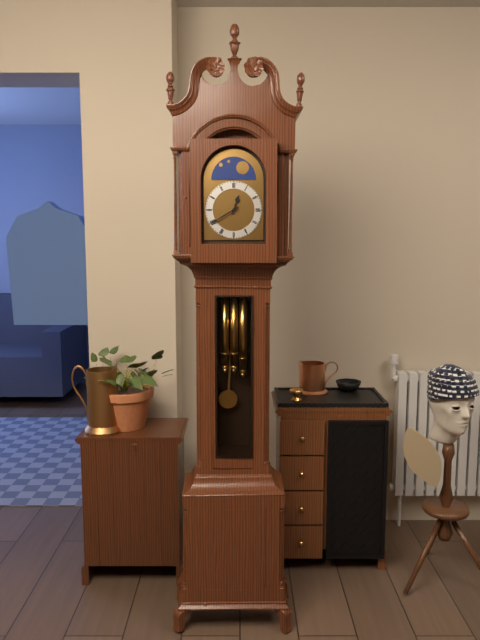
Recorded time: **12:40**
